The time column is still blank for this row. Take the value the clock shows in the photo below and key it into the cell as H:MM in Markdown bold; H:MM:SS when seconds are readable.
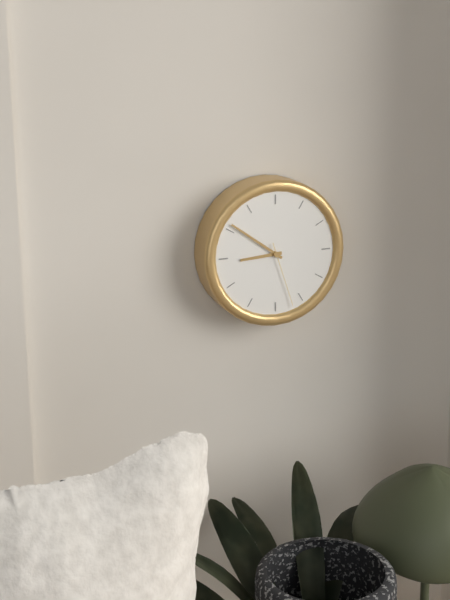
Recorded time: **8:51:27**
